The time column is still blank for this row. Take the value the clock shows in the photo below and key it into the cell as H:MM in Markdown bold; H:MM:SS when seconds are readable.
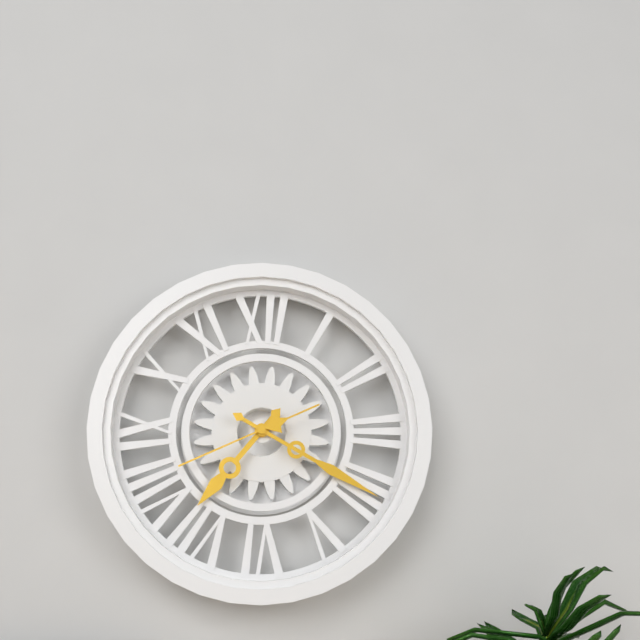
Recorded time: **7:20:41**
